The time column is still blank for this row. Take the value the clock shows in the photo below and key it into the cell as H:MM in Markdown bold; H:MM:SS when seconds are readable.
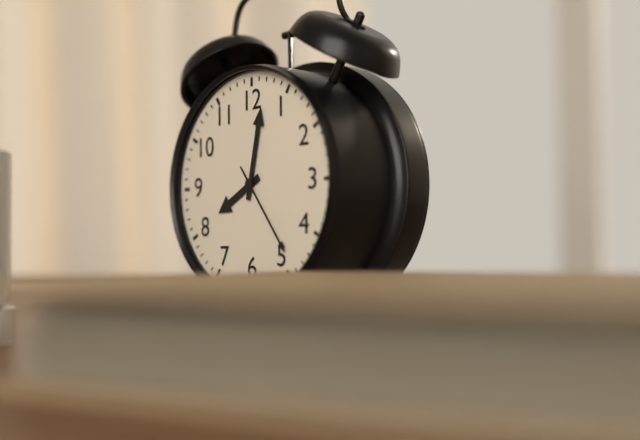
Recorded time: **8:02:24**
